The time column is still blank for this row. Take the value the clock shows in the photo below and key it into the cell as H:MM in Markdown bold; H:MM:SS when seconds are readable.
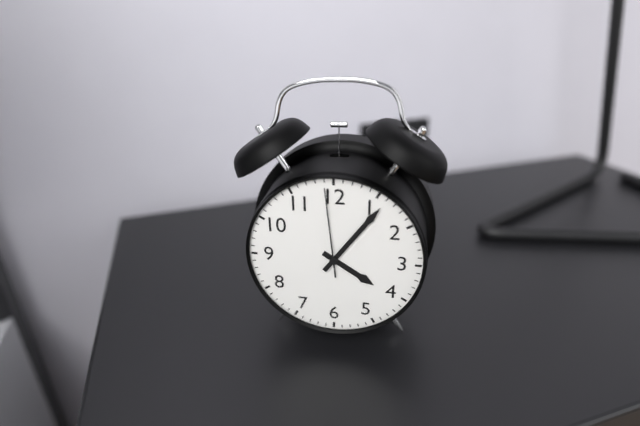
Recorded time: **4:06:59**
